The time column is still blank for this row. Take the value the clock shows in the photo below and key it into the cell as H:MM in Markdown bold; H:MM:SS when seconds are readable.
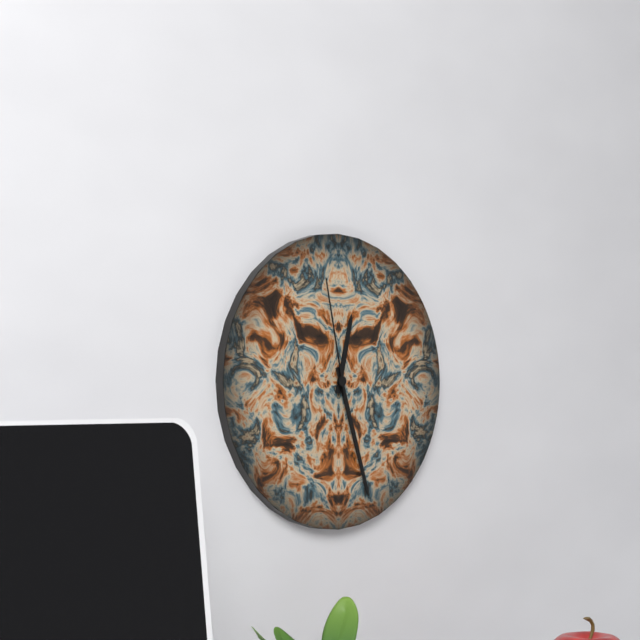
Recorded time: **12:27:58**
